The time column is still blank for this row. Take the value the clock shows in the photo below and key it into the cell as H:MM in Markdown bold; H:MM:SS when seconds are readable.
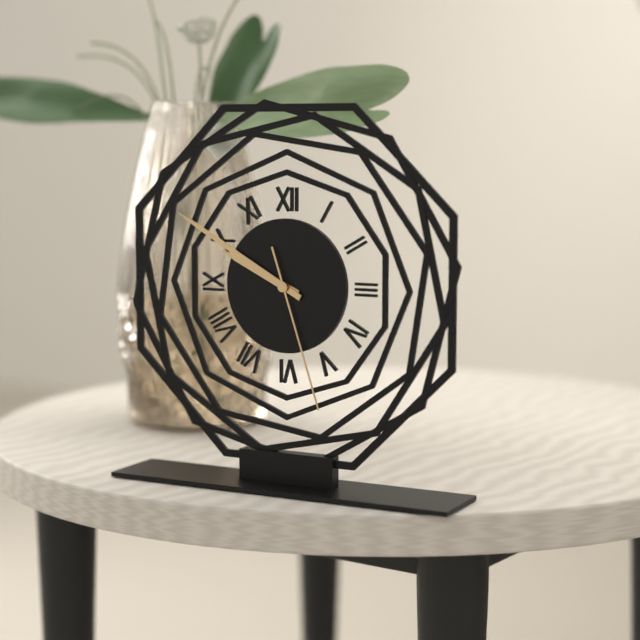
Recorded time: **9:50:27**
